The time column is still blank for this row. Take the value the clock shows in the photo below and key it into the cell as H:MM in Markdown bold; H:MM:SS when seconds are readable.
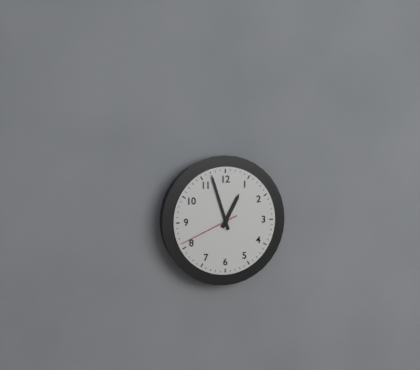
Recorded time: **12:57:41**
